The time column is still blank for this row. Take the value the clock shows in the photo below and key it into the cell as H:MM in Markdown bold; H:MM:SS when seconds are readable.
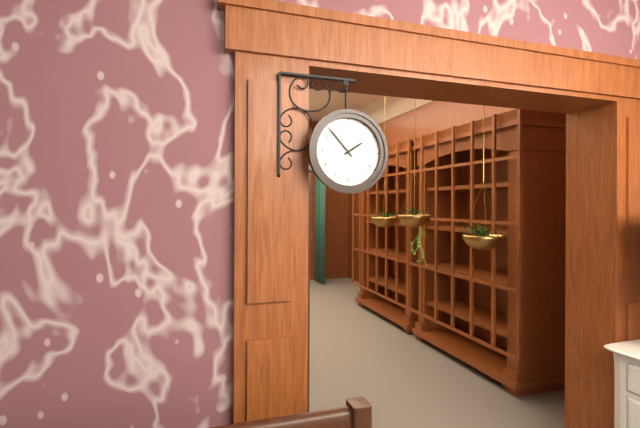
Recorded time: **1:53**
